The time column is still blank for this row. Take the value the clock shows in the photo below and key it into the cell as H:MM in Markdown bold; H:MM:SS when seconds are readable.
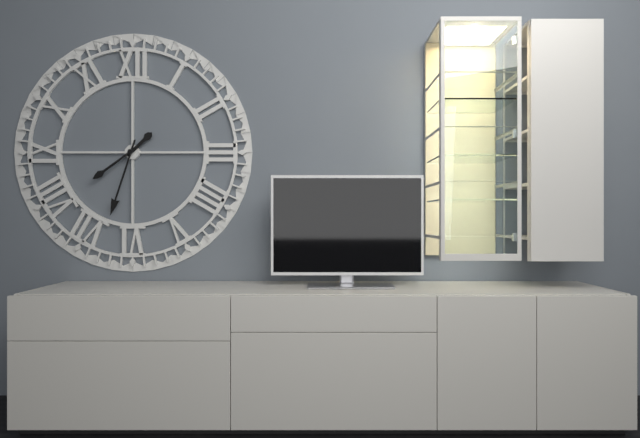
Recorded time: **1:33:39**
